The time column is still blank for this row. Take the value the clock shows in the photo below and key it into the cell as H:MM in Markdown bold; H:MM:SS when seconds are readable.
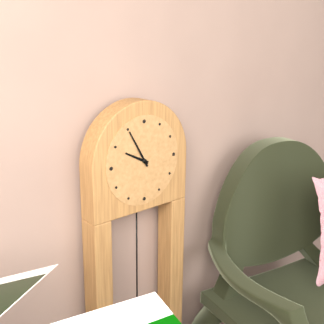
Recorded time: **9:55**
